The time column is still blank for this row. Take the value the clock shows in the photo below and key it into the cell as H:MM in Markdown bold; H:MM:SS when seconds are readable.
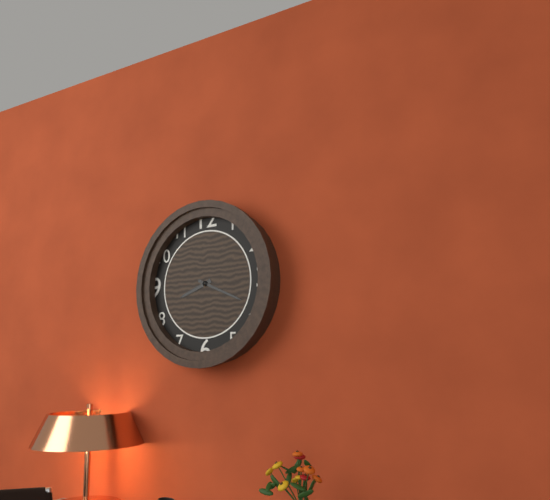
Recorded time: **8:19**
